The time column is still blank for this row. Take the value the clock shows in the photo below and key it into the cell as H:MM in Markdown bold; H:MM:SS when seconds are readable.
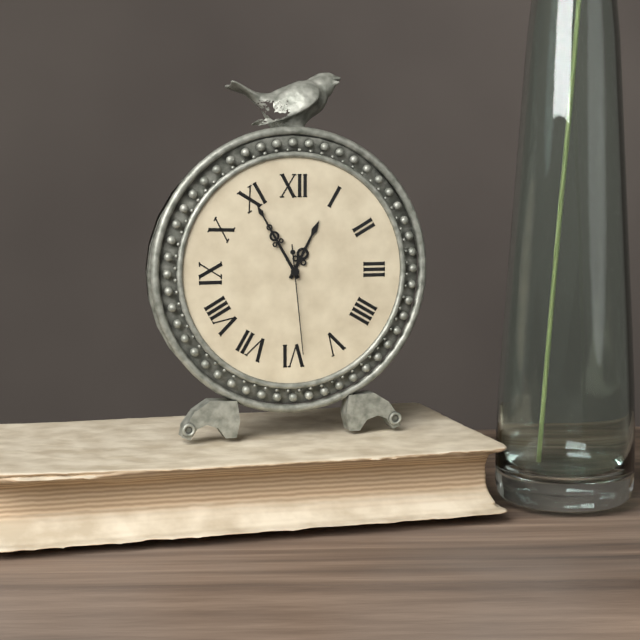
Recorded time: **12:55:29**
